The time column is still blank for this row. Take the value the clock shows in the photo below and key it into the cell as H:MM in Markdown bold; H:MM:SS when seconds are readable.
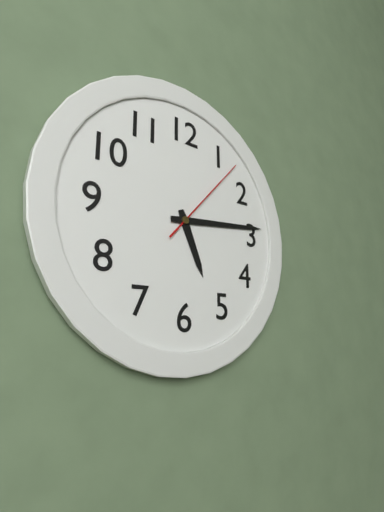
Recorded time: **5:14:07**
